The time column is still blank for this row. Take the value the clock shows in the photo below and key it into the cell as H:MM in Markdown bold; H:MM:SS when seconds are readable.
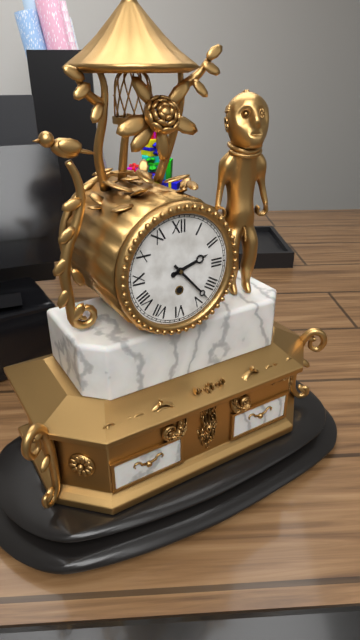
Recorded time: **2:23**
